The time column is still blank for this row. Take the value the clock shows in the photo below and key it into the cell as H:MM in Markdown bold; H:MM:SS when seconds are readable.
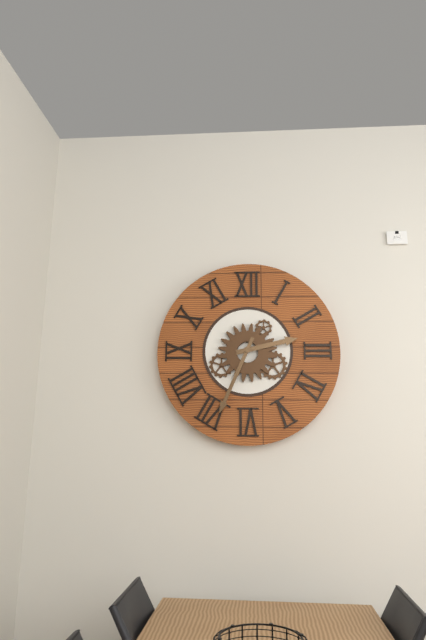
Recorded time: **2:34**
